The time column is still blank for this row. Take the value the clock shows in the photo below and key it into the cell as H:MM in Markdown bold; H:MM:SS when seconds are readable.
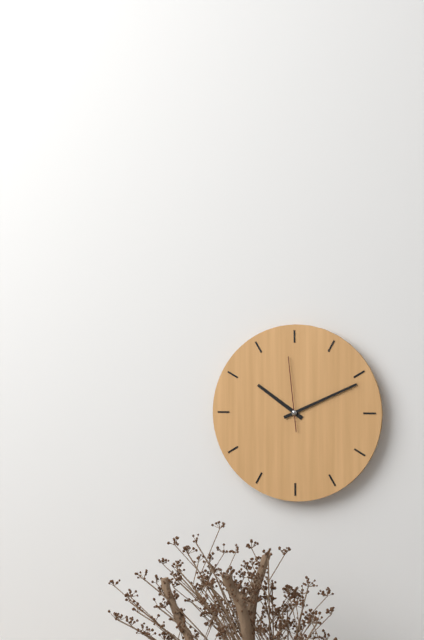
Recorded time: **10:11:59**
